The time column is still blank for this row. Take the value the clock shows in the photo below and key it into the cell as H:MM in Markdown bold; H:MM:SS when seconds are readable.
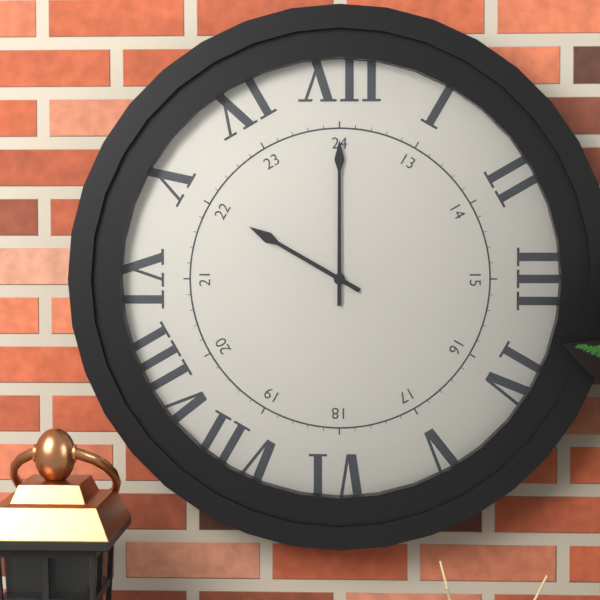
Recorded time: **10:00**
